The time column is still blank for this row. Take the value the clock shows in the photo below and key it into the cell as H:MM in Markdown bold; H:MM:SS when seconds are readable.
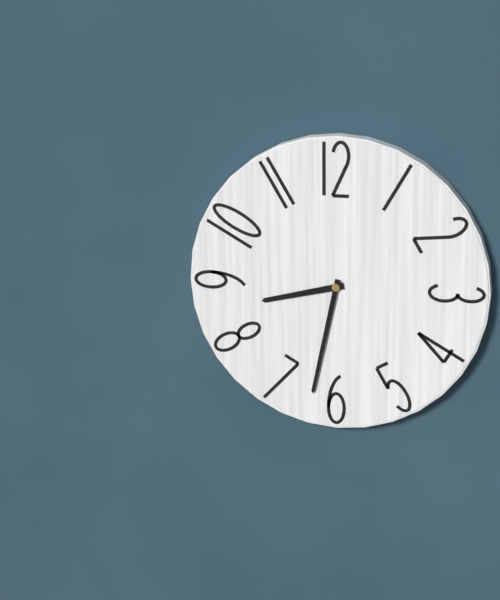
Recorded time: **8:32**
